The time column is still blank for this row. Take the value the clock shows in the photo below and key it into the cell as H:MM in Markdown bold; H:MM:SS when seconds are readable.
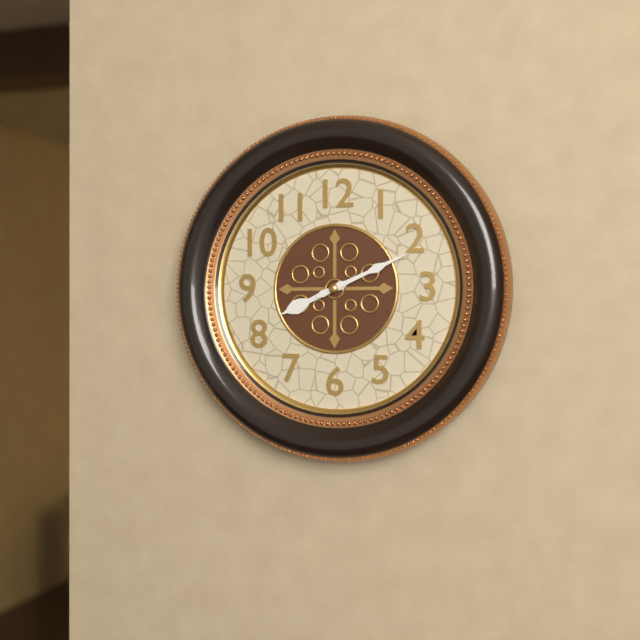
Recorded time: **8:11**
